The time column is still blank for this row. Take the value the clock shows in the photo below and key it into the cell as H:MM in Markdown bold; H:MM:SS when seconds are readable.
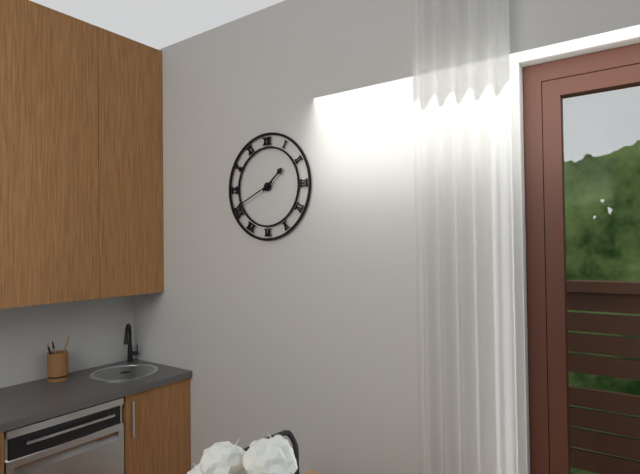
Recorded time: **1:41**
